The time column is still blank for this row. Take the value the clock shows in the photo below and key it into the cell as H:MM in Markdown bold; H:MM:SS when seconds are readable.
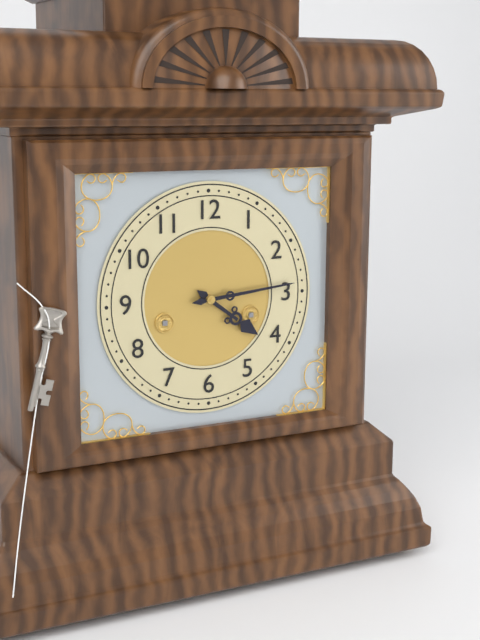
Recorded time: **4:14**
